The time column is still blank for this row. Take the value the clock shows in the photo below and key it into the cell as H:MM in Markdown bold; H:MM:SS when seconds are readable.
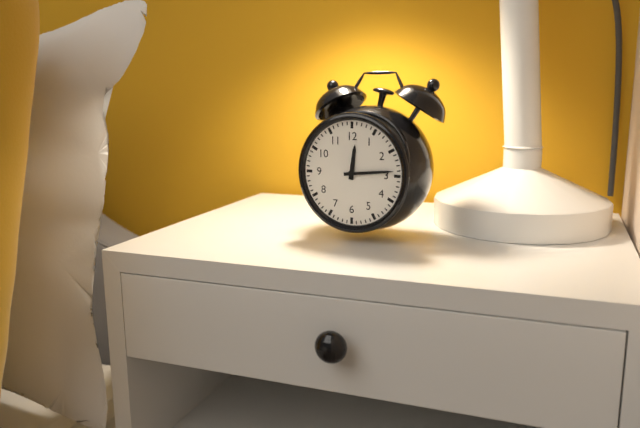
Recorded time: **12:14**
